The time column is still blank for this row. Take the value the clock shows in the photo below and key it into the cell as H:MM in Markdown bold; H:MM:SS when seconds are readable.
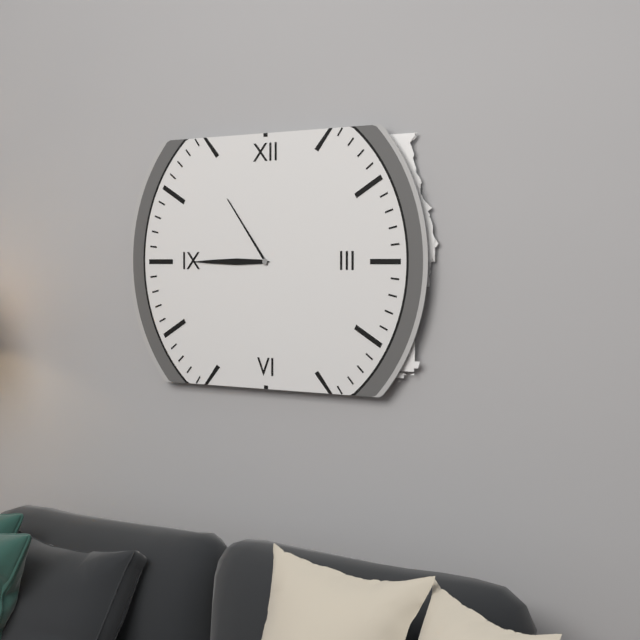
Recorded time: **10:45**
